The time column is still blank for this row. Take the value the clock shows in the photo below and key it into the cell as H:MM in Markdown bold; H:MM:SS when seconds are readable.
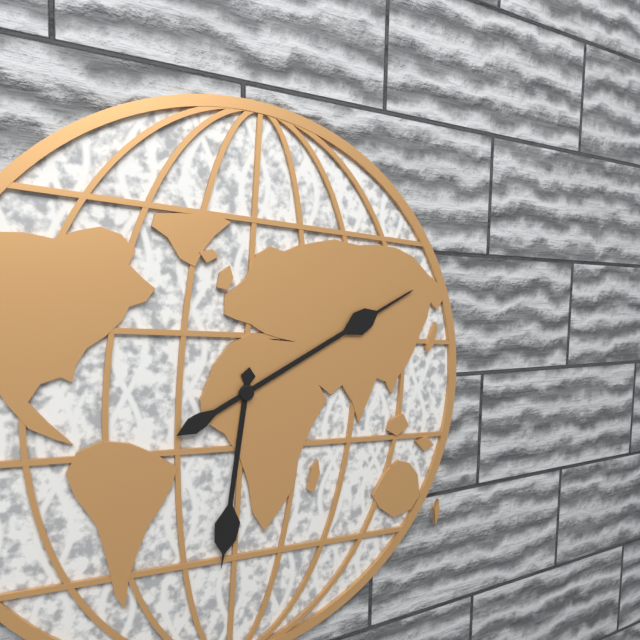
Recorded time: **6:10**
